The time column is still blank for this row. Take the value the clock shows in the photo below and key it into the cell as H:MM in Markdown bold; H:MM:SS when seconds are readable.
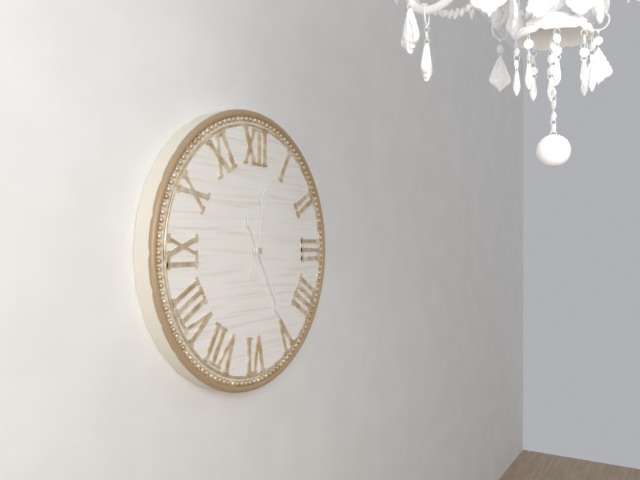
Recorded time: **12:25**
